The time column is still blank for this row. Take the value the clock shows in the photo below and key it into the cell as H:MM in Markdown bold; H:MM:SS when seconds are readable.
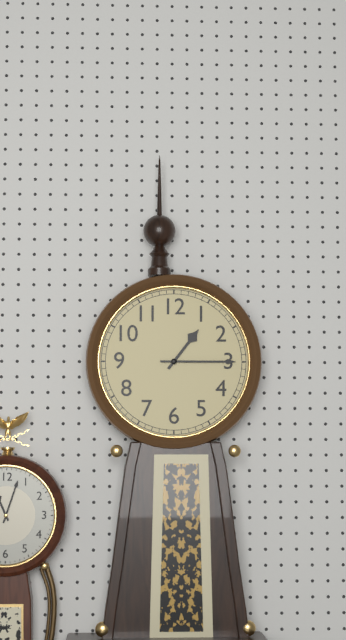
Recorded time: **1:15**
